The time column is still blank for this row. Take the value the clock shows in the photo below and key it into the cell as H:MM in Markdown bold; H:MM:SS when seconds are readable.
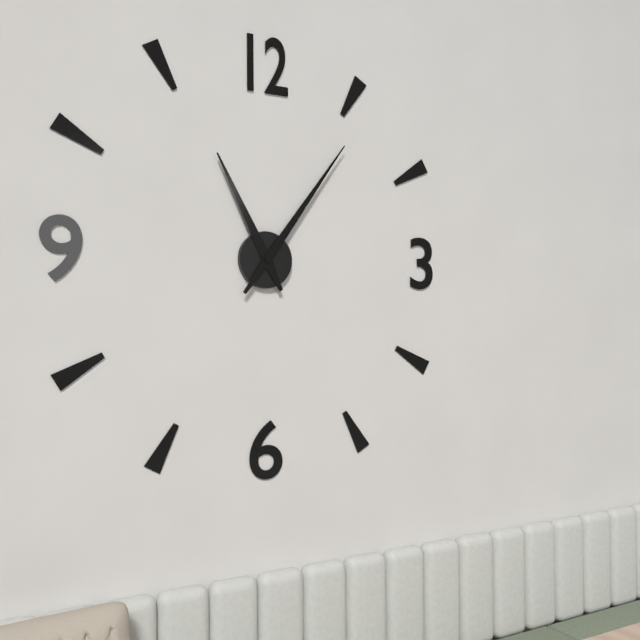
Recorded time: **11:06**
